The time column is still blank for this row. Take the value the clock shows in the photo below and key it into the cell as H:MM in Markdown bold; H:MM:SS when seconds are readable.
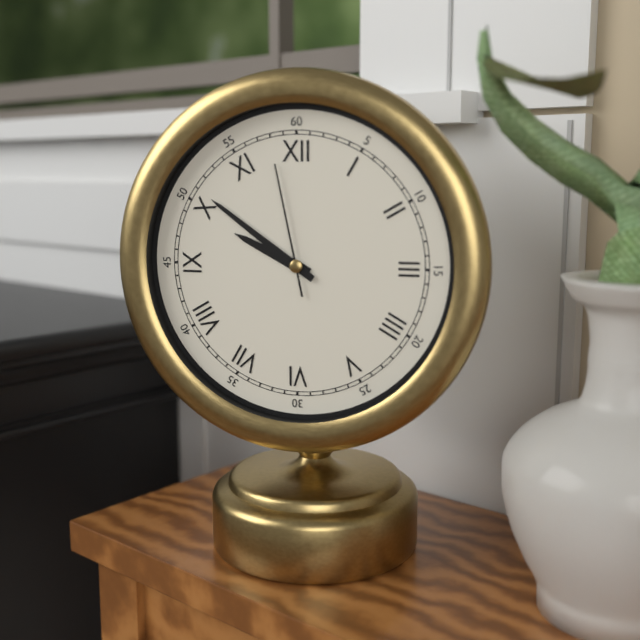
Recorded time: **9:51:58**
